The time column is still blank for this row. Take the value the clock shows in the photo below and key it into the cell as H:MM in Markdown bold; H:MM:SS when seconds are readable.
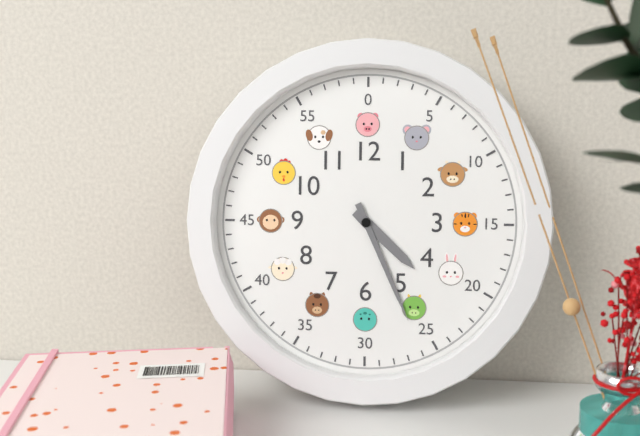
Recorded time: **4:26**
